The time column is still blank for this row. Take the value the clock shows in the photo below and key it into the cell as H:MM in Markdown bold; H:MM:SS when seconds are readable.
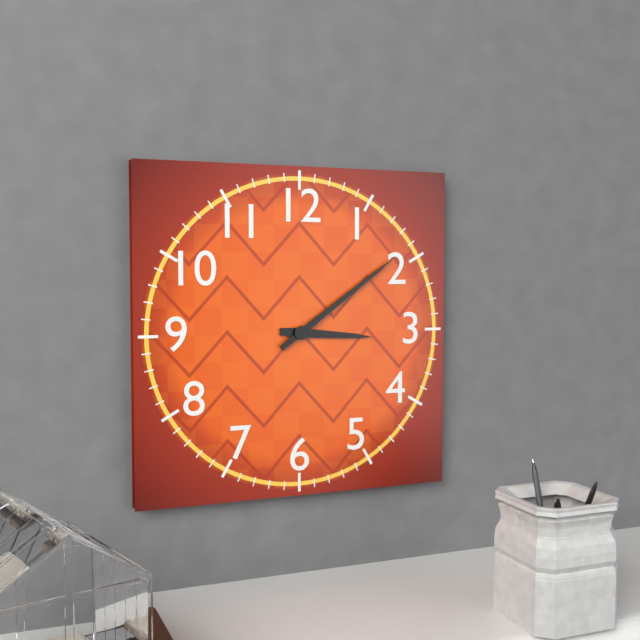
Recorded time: **3:09**
